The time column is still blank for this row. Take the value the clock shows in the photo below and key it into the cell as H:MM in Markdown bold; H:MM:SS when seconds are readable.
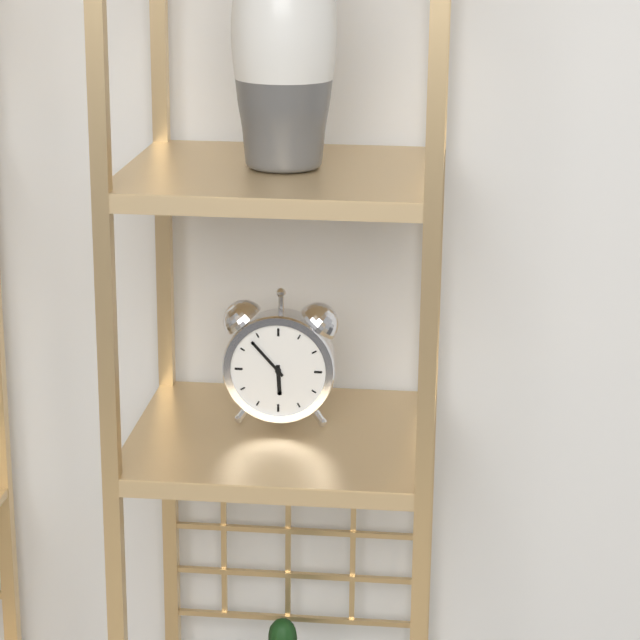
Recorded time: **5:53**
